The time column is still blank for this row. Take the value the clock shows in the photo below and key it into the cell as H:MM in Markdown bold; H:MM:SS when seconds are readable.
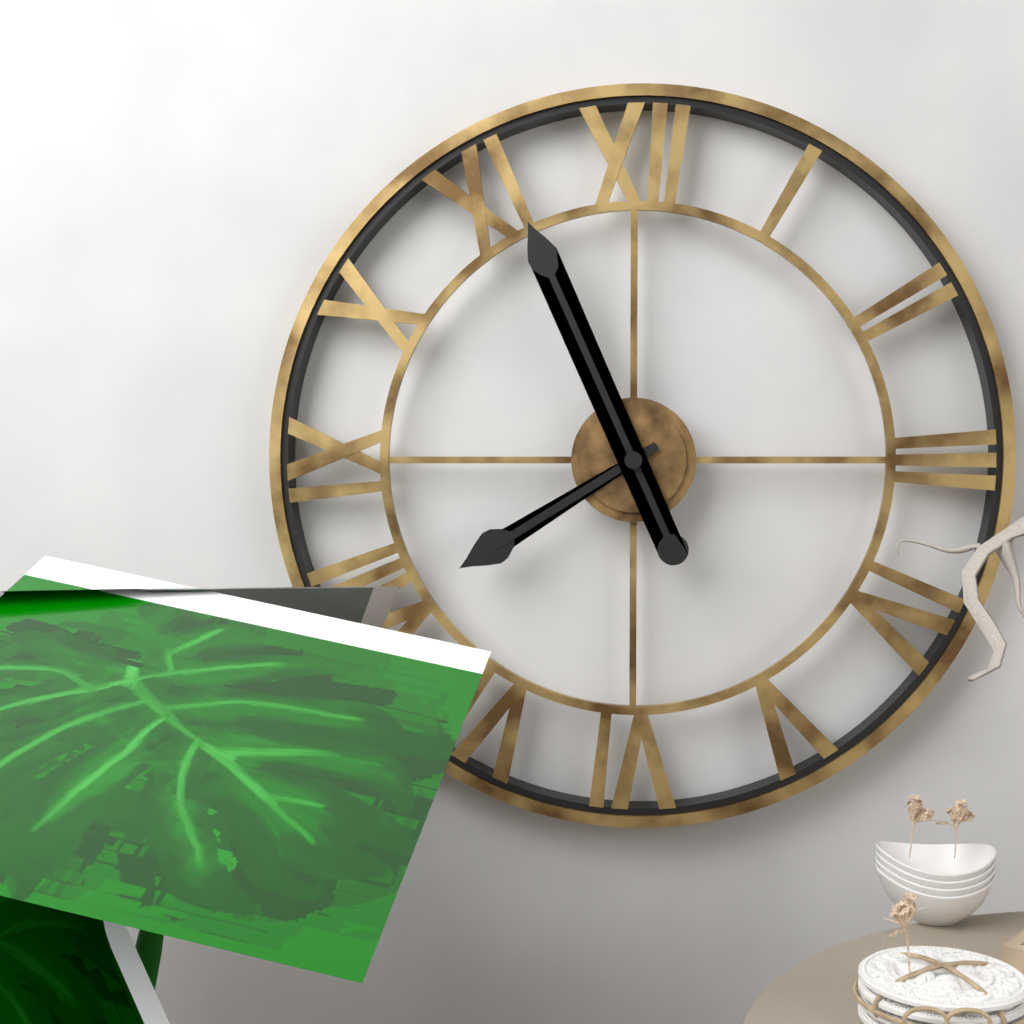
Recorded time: **7:56**
